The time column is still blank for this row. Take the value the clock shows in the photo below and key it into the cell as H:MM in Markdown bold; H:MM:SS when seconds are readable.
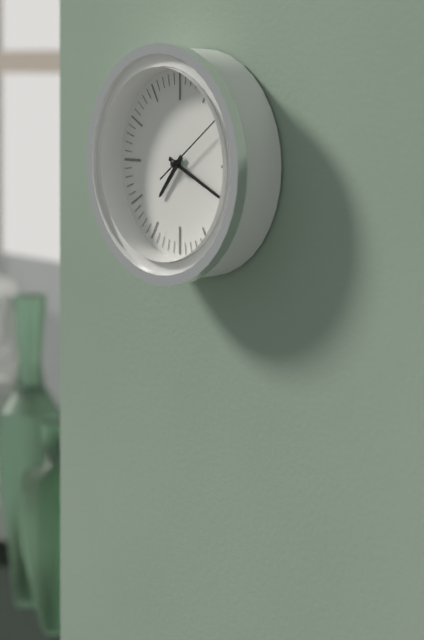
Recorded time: **7:19:09**
